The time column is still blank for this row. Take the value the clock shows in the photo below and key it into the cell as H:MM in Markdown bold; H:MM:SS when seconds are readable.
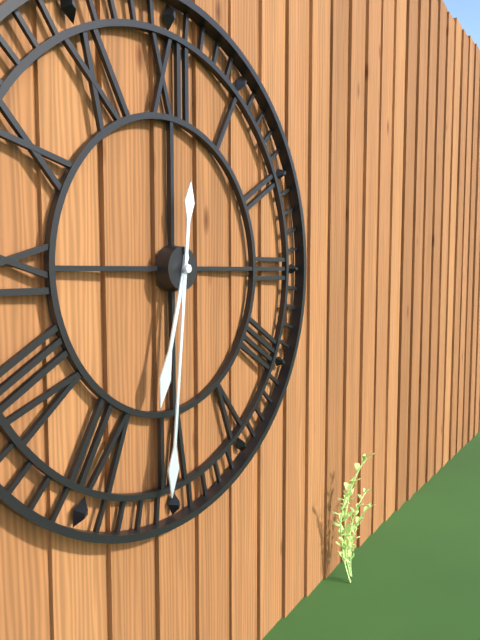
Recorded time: **6:31**
